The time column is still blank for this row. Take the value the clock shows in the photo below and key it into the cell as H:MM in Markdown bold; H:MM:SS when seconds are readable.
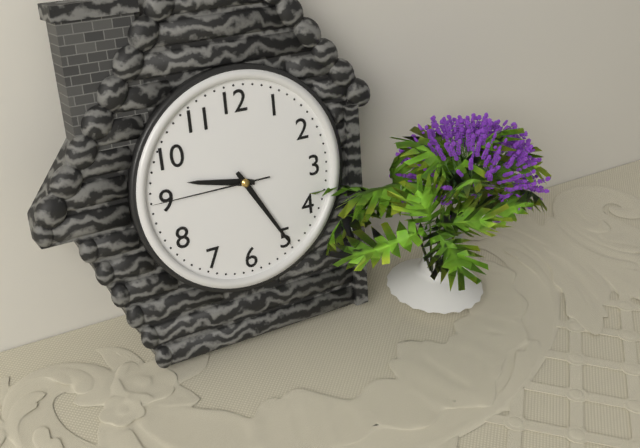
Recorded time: **9:25:45**
